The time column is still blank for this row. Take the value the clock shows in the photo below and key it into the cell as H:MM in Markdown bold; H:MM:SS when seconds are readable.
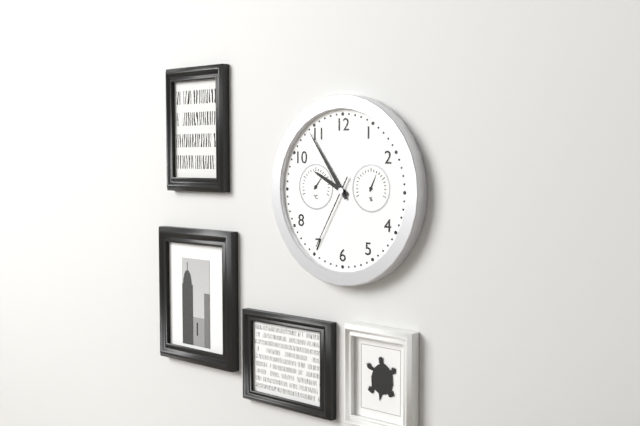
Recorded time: **9:54:35**
